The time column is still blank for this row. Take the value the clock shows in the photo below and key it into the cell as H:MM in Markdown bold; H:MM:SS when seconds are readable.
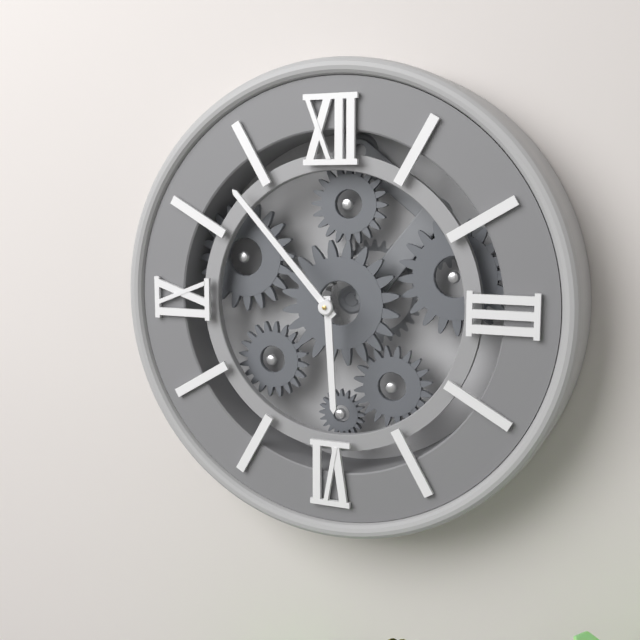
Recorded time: **5:53**
